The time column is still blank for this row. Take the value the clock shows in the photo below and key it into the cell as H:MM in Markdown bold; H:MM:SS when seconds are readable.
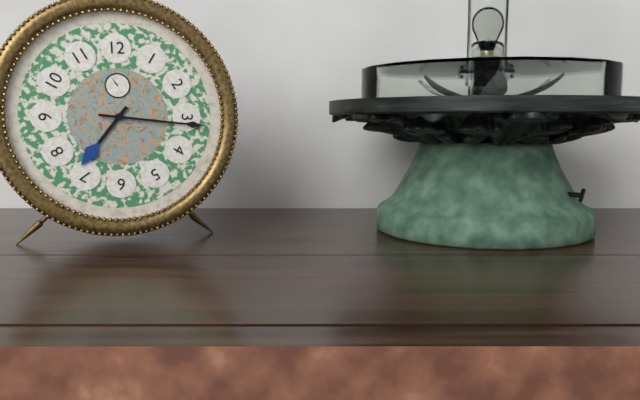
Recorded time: **7:16**
